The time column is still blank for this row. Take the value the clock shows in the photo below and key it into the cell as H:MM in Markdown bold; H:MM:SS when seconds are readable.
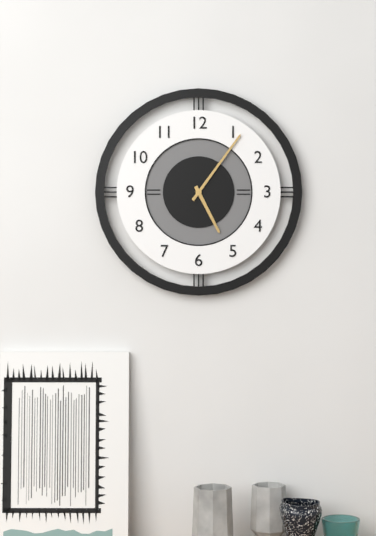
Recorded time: **5:06**
